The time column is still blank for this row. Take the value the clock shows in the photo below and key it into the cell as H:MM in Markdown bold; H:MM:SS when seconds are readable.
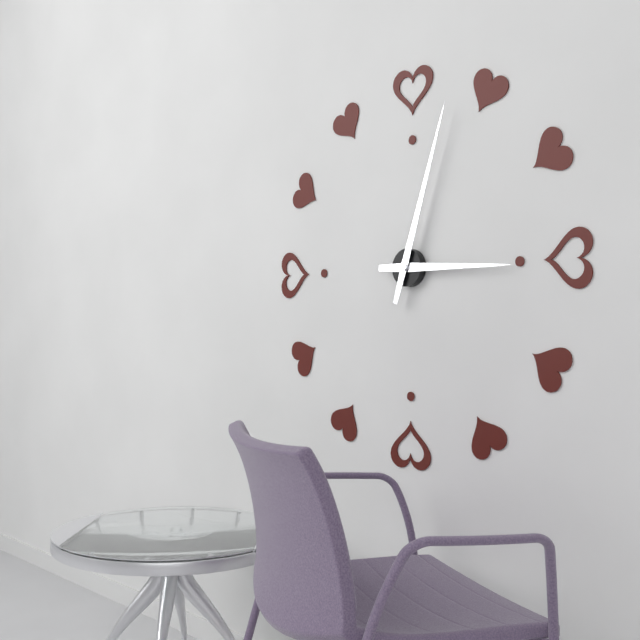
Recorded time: **3:03**
